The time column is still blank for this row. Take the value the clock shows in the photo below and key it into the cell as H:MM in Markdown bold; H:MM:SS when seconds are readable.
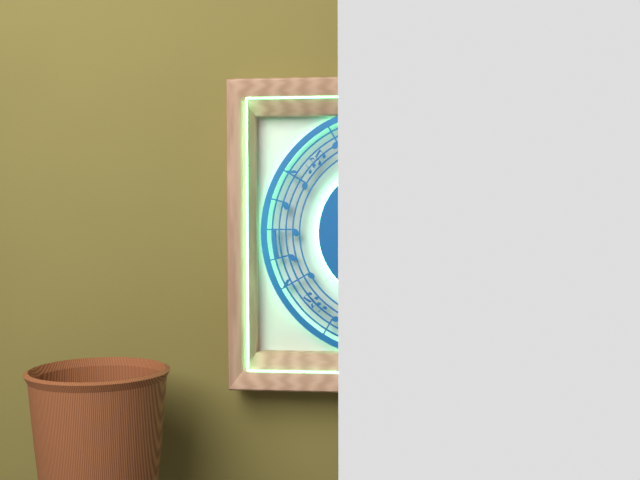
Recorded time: **10:29**
